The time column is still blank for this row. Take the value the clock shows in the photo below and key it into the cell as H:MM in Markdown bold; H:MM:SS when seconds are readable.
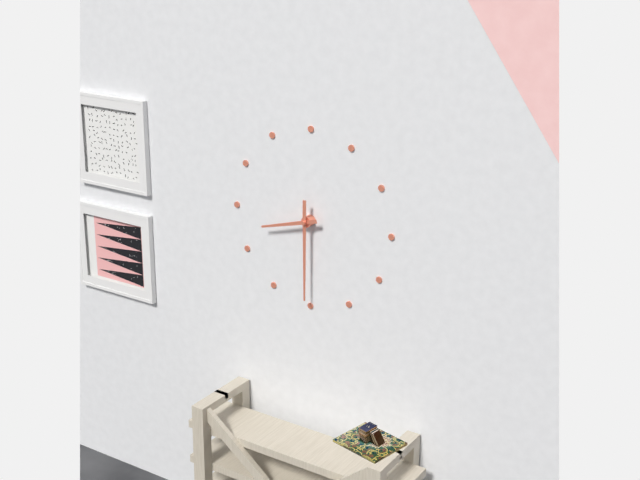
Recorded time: **8:30**
